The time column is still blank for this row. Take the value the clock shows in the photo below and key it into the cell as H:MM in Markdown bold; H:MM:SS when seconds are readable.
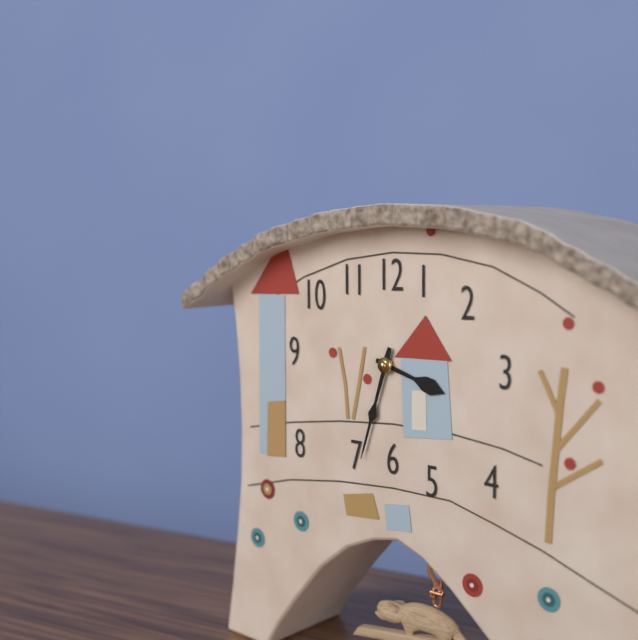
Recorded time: **3:33**
